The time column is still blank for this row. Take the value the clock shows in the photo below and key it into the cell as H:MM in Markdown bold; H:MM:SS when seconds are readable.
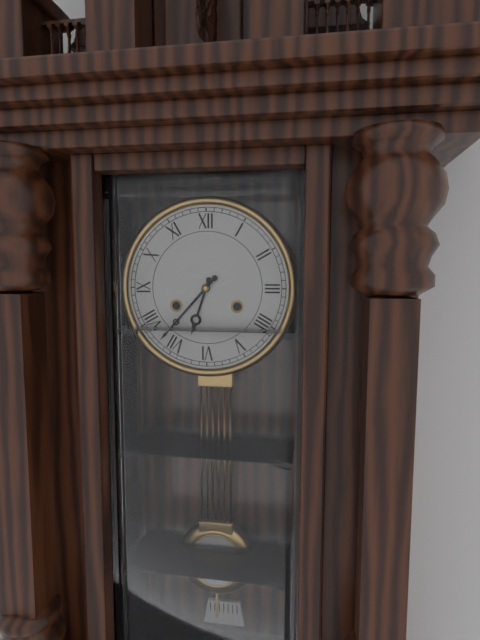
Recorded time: **6:37**
